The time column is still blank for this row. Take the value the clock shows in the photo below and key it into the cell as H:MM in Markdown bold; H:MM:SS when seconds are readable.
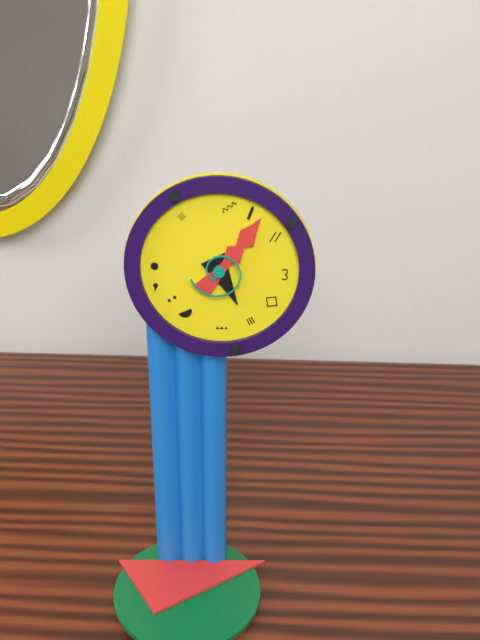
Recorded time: **5:06**
